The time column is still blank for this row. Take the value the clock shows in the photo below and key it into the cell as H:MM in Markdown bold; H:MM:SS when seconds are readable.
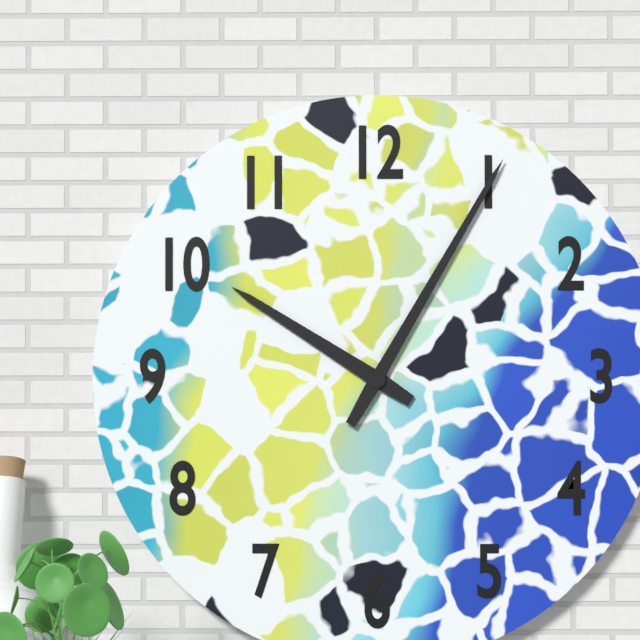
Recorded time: **10:05**
